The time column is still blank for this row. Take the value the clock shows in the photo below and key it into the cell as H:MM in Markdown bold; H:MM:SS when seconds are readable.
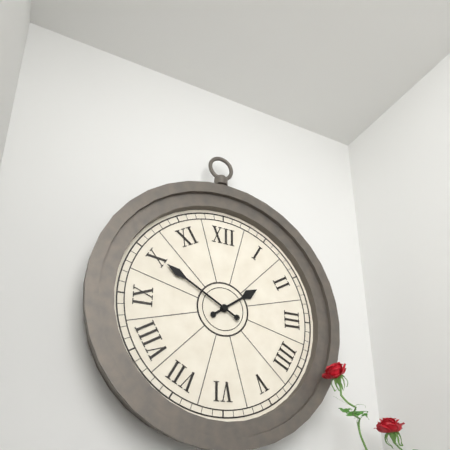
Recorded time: **1:50**
